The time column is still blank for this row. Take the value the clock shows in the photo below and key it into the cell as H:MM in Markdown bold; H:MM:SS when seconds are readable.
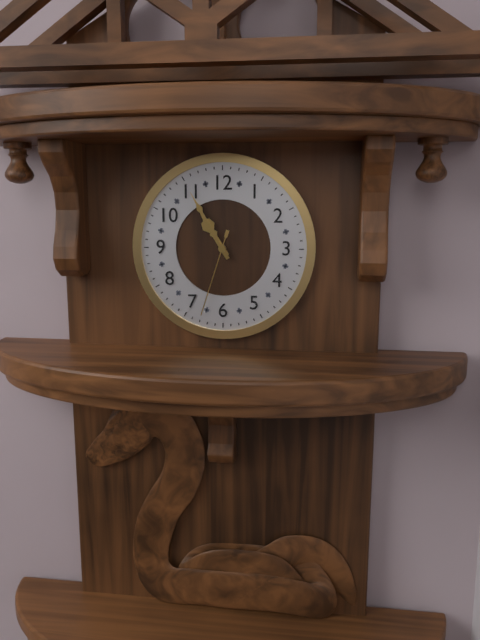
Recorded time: **10:55:33**
